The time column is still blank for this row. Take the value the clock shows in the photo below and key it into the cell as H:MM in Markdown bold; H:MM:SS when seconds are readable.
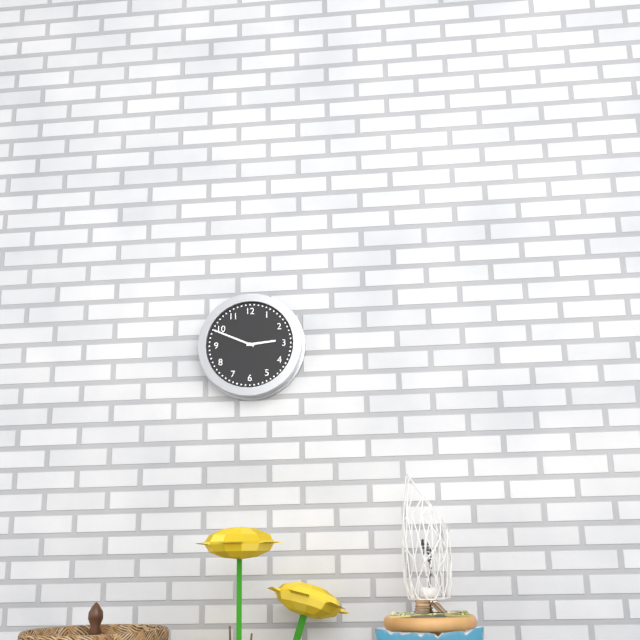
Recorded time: **2:49**
